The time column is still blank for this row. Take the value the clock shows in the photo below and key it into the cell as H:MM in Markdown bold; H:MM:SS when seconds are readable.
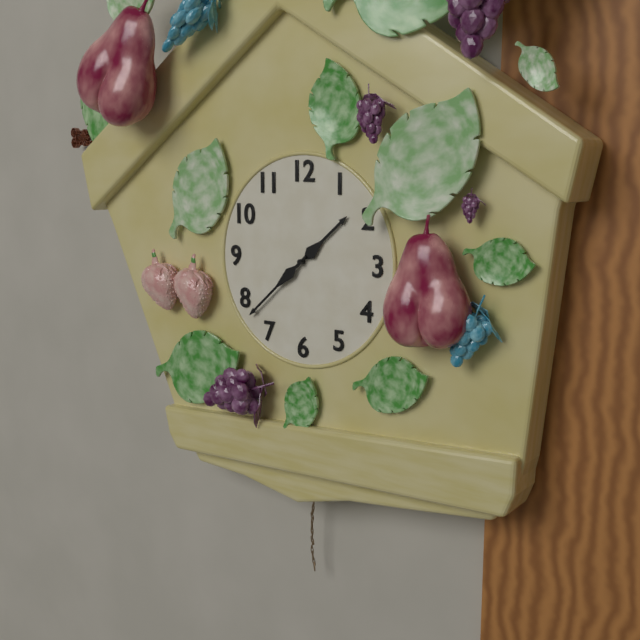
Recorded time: **1:38**
